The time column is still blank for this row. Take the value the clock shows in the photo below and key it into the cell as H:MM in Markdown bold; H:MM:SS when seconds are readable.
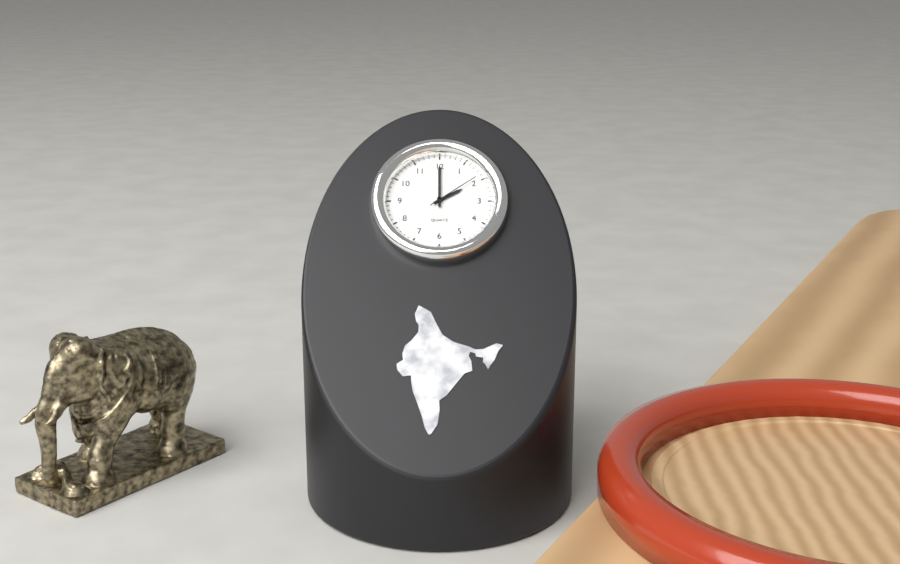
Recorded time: **2:00:09**
